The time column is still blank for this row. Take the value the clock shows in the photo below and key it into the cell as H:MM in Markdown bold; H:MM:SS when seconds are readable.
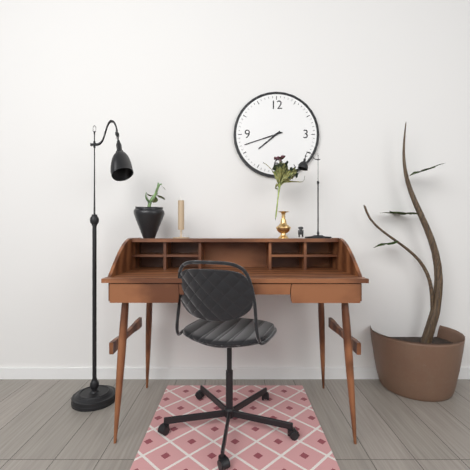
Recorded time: **7:42**
